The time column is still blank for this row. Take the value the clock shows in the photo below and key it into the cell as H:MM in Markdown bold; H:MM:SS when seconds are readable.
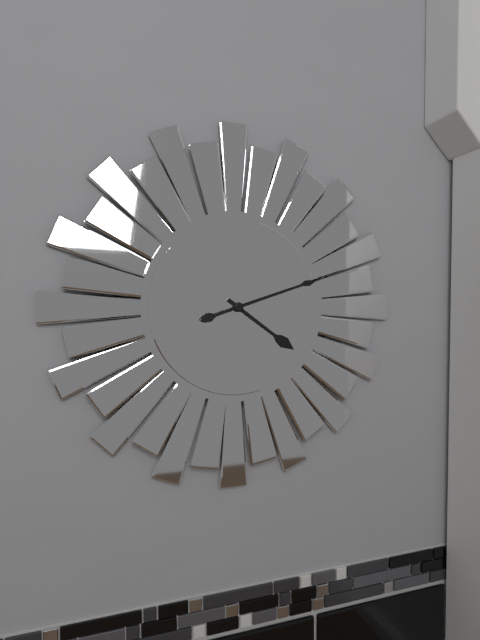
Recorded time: **4:12**
